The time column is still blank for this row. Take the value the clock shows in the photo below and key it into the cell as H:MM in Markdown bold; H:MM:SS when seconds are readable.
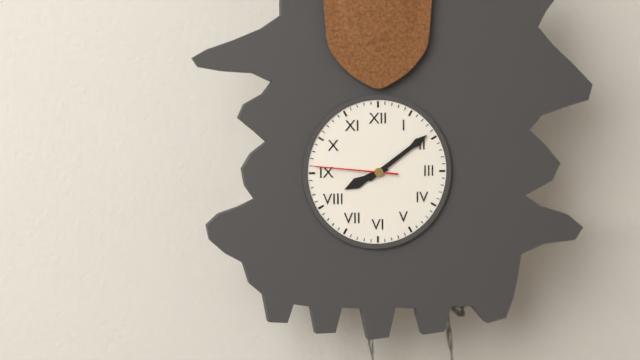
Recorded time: **8:09:46**
